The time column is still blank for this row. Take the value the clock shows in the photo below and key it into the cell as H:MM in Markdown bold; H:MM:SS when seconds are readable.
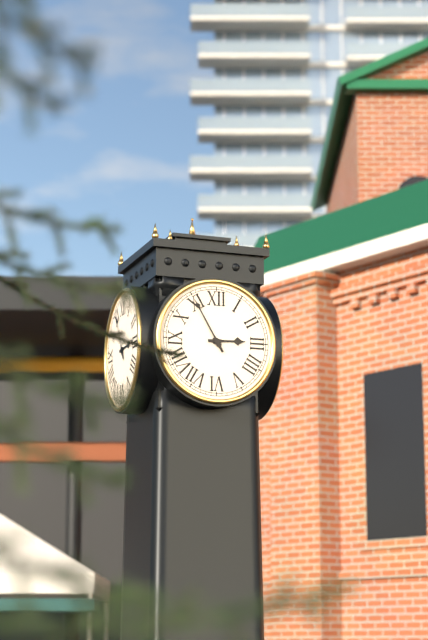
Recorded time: **2:55**
